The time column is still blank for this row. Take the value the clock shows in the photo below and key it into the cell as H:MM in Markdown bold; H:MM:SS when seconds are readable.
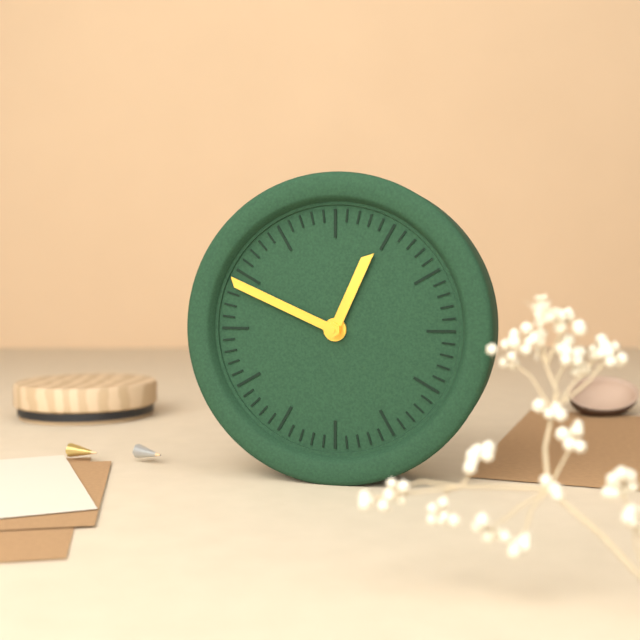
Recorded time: **12:49**
